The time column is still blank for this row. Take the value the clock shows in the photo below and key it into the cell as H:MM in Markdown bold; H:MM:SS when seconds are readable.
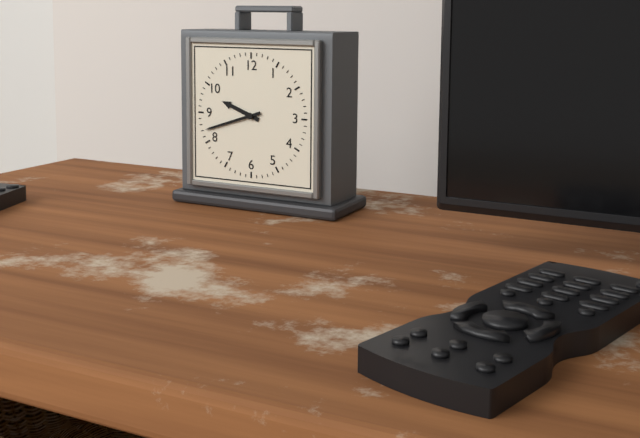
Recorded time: **9:42**
